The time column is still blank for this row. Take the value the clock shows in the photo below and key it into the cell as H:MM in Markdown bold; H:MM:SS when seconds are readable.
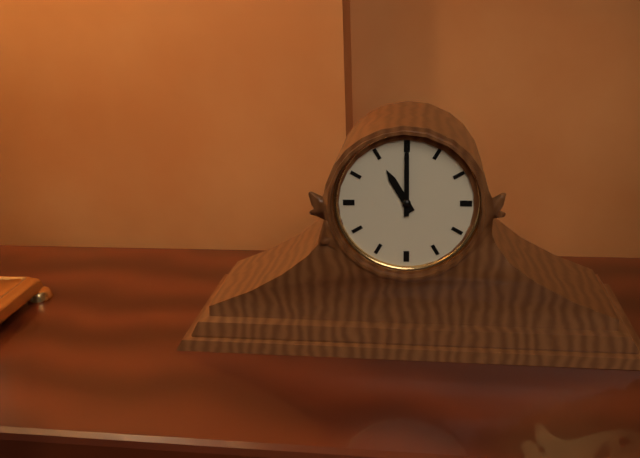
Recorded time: **11:00**
